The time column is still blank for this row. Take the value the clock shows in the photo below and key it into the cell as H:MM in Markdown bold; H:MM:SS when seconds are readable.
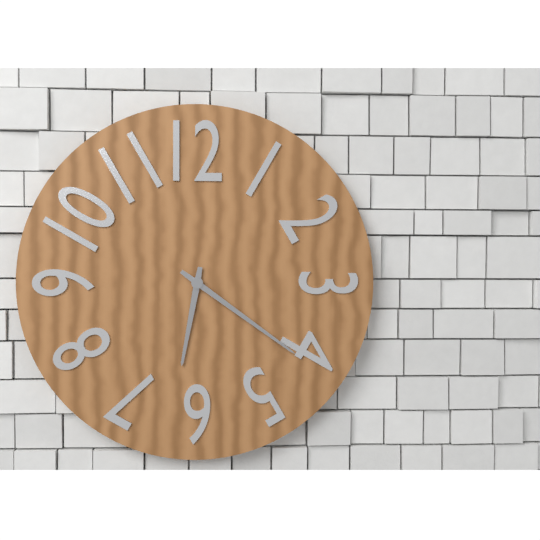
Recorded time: **6:21**
